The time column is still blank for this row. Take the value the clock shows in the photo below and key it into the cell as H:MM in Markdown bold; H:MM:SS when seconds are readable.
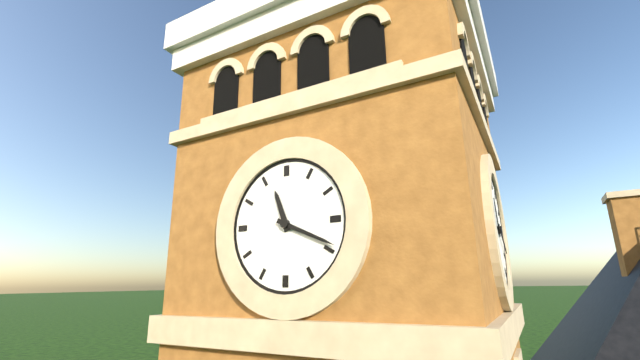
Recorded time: **11:19**
